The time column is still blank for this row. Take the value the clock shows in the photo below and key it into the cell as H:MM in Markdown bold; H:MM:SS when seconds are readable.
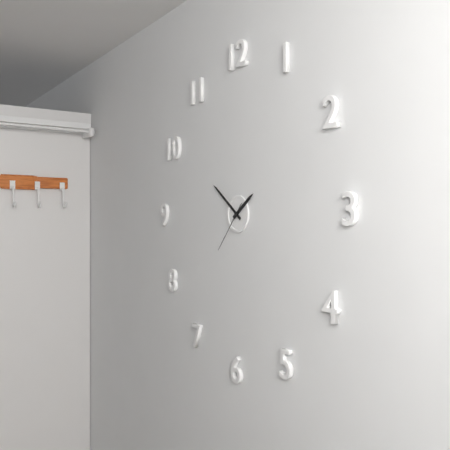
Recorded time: **1:51:37**
